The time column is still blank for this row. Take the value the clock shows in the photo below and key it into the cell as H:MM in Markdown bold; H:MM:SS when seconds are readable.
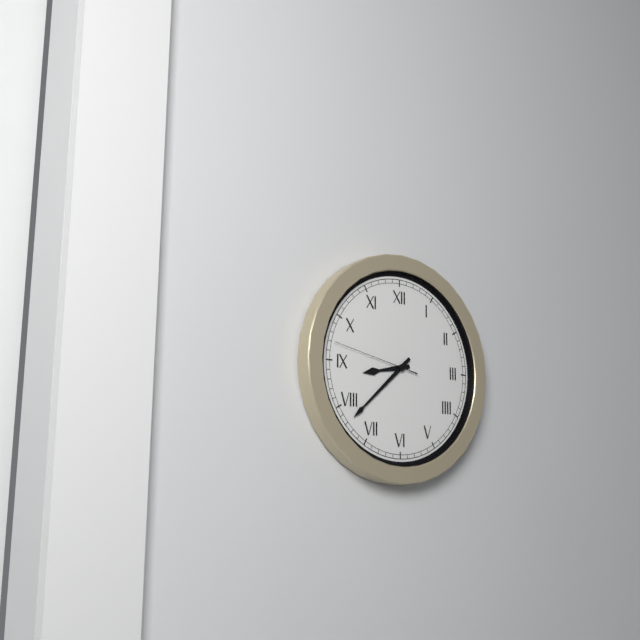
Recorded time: **8:38:47**
